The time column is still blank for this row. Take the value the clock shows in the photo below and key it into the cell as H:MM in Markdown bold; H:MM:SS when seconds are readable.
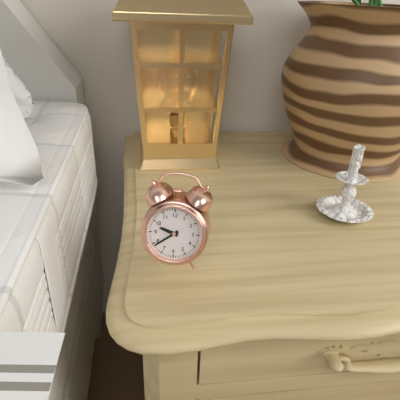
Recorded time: **9:39**
